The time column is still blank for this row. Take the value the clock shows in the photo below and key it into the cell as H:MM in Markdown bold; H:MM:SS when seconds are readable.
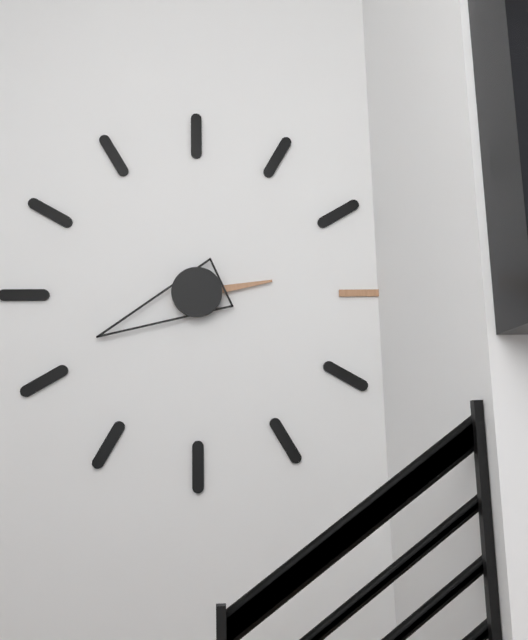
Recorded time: **2:41**
